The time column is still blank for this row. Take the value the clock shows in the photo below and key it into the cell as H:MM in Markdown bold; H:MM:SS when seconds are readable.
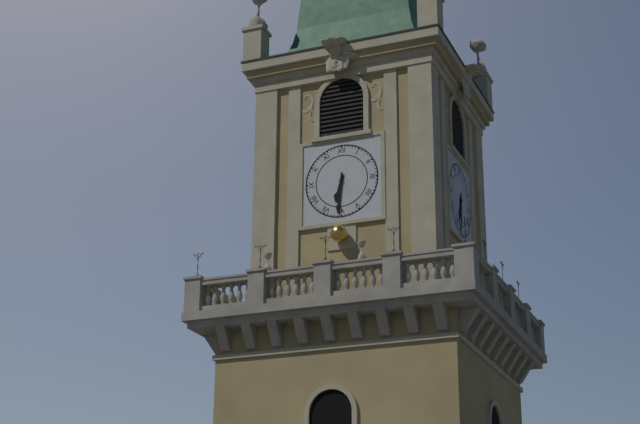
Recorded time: **6:31**
